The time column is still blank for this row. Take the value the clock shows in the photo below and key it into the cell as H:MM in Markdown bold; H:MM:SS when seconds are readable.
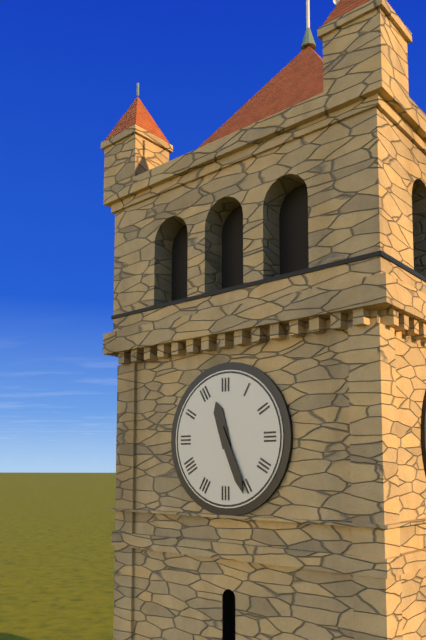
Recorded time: **11:26**
